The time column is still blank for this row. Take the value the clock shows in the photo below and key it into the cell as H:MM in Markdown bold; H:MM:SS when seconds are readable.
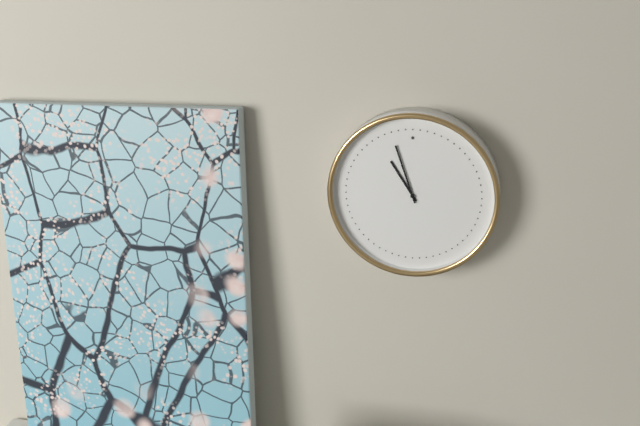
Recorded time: **10:57**
